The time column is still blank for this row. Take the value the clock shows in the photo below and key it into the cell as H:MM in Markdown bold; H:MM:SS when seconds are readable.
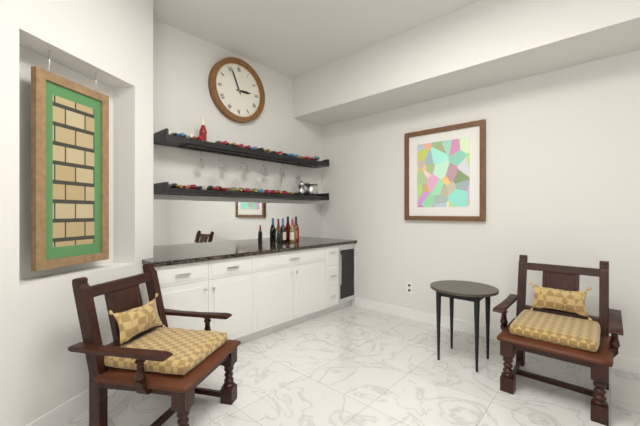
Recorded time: **2:56**
